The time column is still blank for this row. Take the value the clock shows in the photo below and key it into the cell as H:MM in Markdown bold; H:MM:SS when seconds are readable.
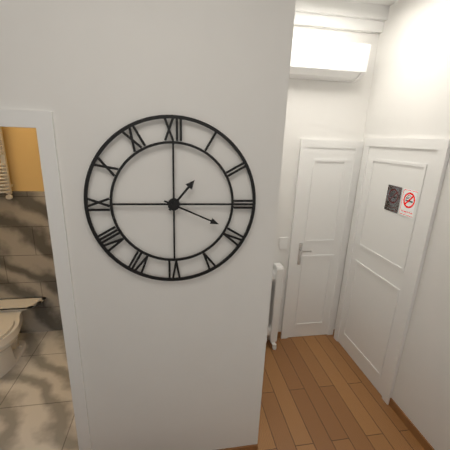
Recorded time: **1:19**
